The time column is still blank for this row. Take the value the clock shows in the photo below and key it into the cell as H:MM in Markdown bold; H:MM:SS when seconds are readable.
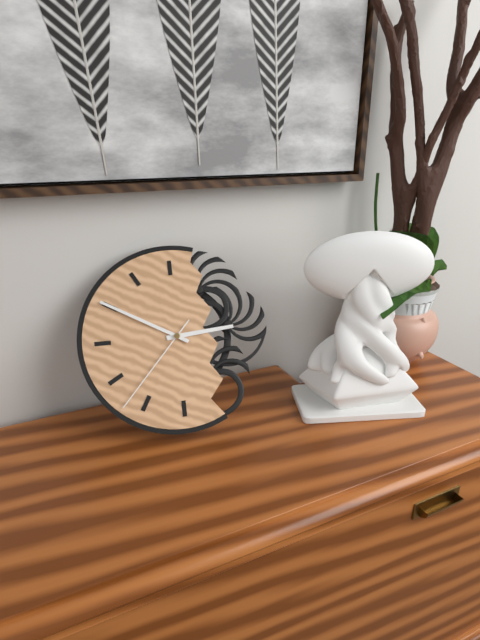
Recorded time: **2:50:37**
